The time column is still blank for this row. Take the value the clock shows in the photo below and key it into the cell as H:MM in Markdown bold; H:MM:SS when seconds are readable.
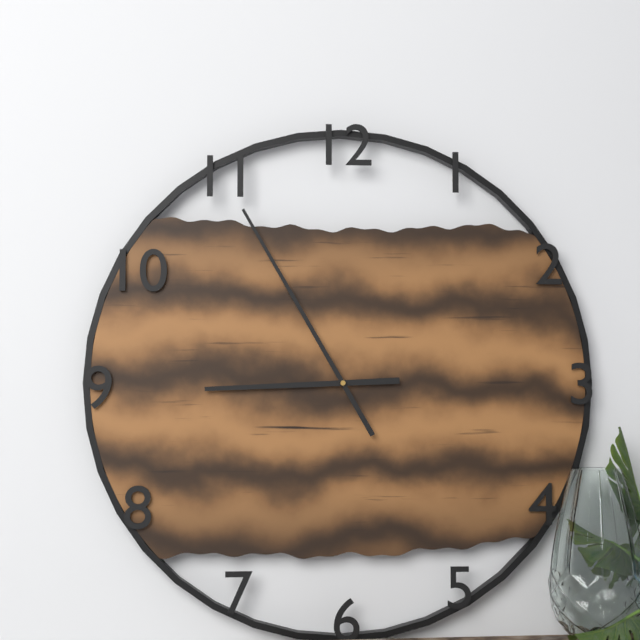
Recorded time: **8:55**
